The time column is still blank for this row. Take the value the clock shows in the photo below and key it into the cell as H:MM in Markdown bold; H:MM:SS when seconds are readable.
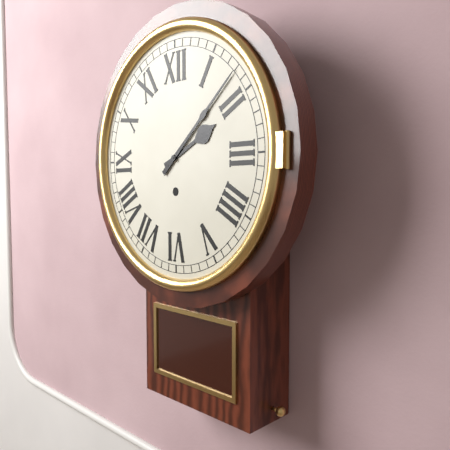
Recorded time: **2:08**
